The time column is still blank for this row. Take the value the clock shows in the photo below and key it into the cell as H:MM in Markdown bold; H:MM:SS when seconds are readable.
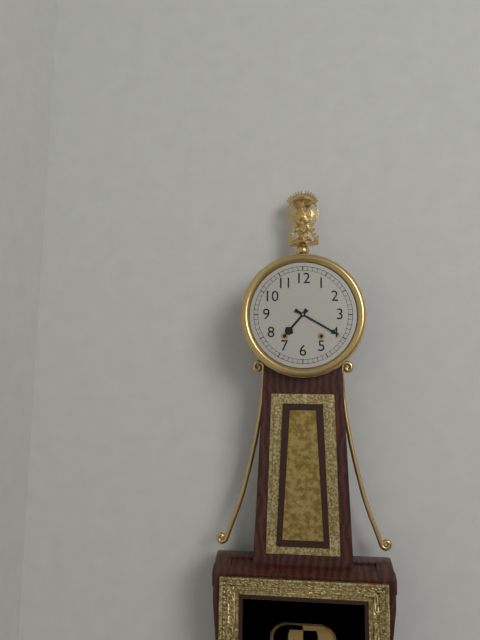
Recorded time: **7:20**
